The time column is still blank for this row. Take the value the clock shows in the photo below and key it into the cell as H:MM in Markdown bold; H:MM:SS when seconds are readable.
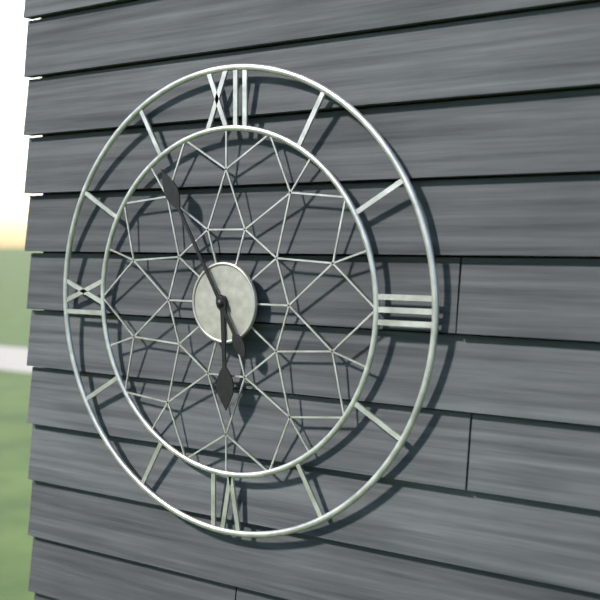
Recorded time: **5:55**
